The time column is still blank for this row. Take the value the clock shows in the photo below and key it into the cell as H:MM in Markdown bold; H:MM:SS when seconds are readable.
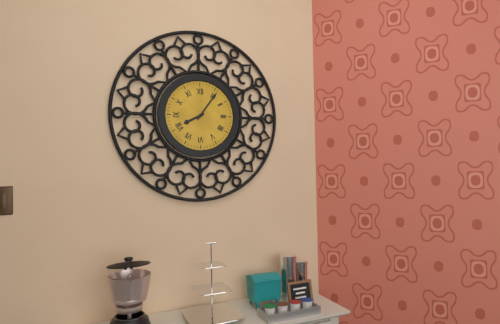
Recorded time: **8:06**
